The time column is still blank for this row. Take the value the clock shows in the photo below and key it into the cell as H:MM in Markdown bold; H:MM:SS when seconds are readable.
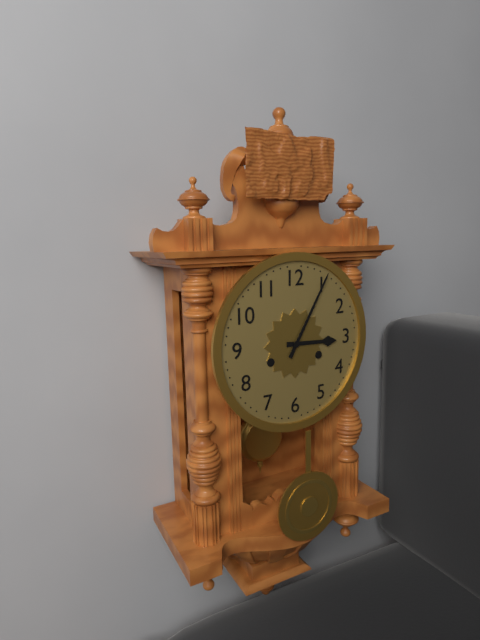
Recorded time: **3:05**
